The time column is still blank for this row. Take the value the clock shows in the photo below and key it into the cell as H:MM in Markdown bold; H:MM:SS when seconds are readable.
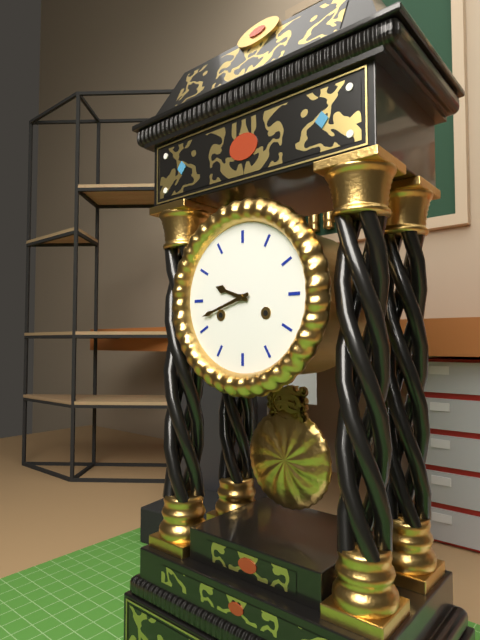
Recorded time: **9:42**
